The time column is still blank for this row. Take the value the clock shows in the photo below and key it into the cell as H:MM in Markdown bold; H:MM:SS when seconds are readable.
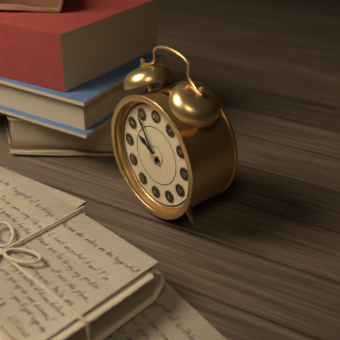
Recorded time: **9:54**
